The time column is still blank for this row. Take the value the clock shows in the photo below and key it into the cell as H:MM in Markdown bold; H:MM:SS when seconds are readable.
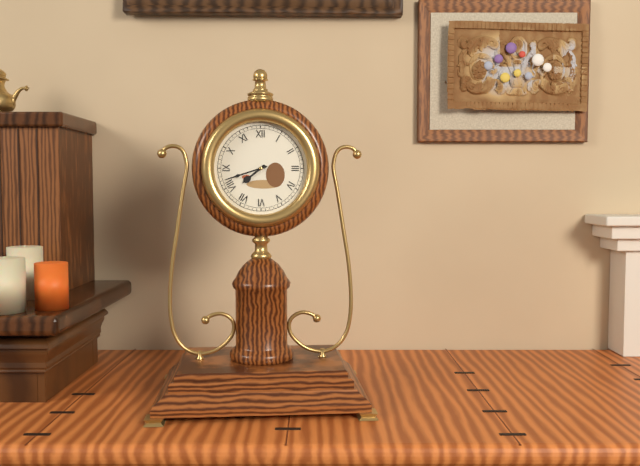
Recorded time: **7:42**
